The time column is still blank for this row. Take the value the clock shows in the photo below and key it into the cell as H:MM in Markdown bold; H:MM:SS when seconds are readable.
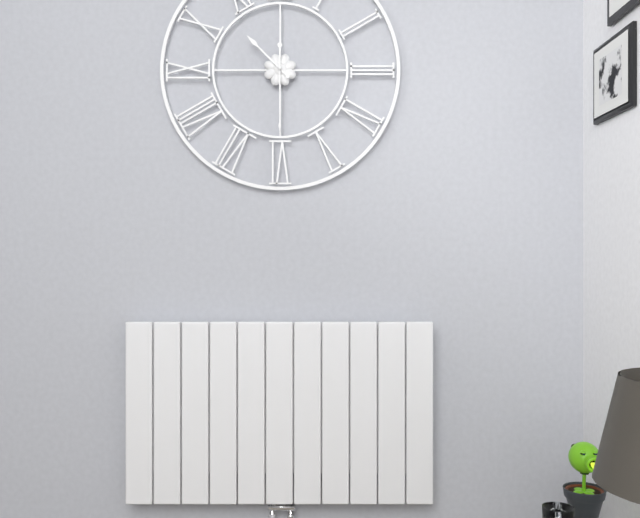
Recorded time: **10:30**
